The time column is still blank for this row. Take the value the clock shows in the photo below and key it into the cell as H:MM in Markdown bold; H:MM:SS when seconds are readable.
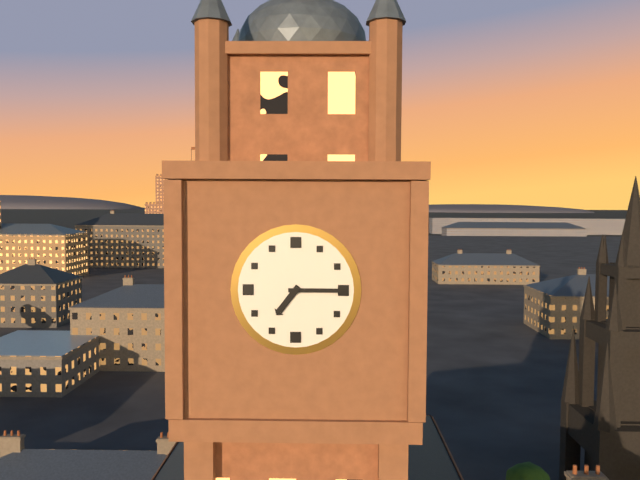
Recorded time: **7:15**
